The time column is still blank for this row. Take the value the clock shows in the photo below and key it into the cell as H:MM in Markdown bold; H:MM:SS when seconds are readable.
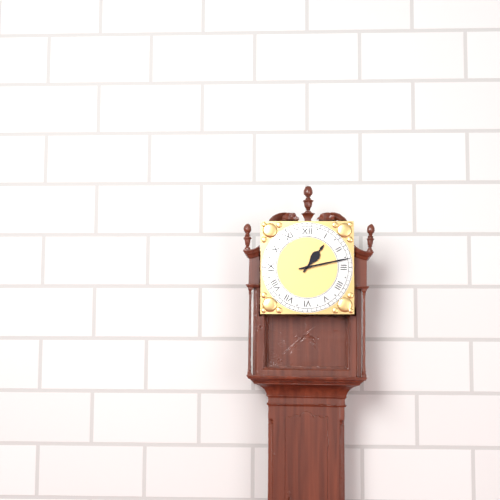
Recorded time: **1:13**
